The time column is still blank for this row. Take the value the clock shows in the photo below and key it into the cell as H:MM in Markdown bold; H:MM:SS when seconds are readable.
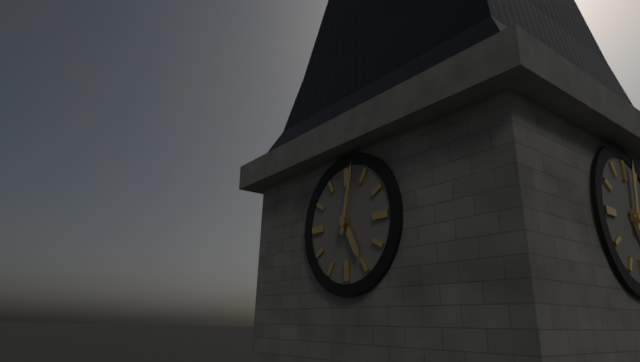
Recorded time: **5:02**
